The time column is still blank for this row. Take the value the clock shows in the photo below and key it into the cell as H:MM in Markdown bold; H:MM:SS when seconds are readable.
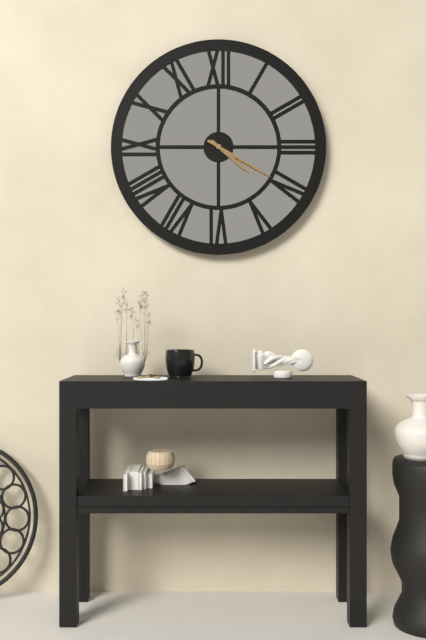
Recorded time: **4:20**
